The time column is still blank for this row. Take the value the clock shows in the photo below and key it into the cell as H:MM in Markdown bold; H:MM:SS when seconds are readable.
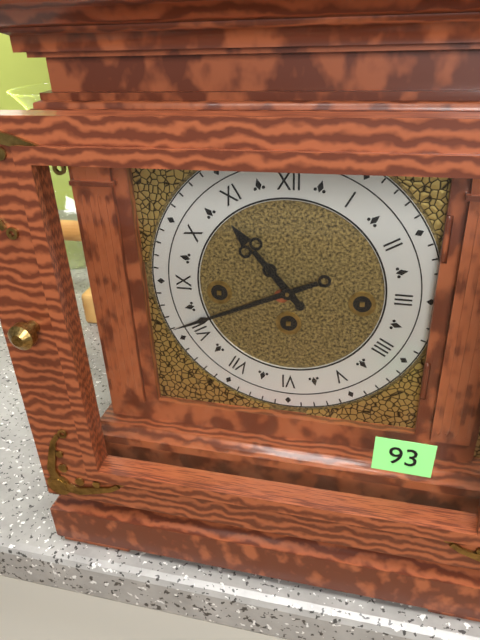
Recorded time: **10:41**
